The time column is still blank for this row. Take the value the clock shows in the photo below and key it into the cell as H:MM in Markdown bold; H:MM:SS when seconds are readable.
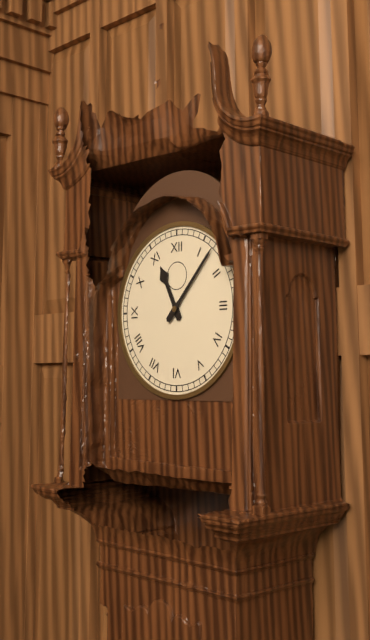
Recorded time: **11:07**
